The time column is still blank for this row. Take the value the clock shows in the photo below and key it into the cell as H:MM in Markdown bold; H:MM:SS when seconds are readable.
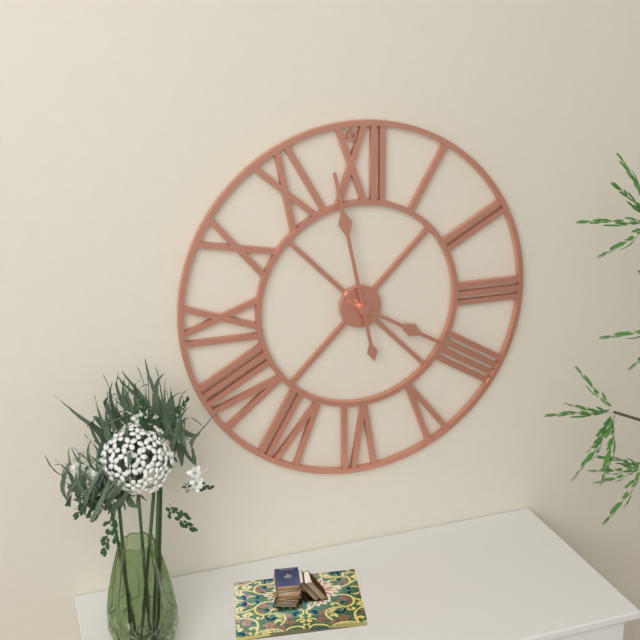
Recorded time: **3:58**
